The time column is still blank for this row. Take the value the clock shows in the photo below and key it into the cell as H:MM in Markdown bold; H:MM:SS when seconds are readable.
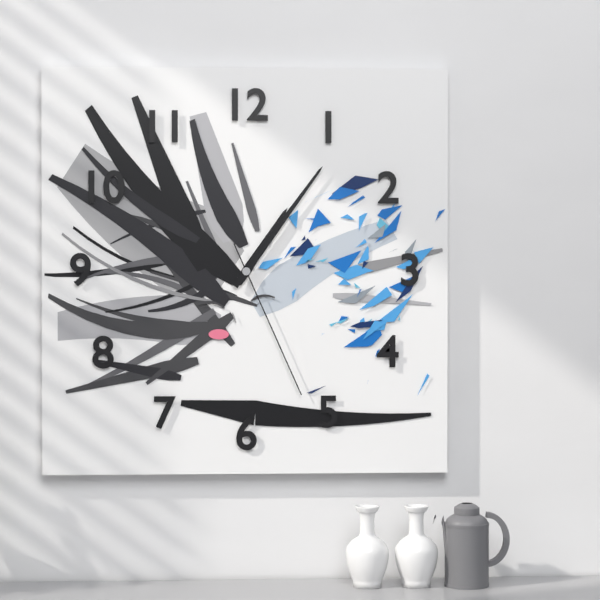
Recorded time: **1:06:26**
